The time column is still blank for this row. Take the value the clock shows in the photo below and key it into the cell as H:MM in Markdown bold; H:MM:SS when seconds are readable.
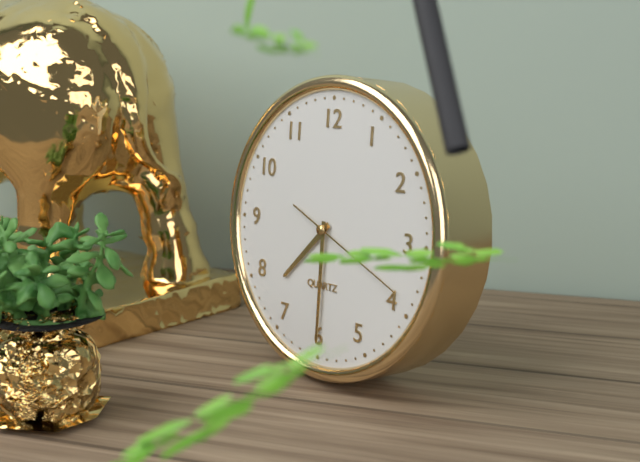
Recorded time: **7:30:19**
